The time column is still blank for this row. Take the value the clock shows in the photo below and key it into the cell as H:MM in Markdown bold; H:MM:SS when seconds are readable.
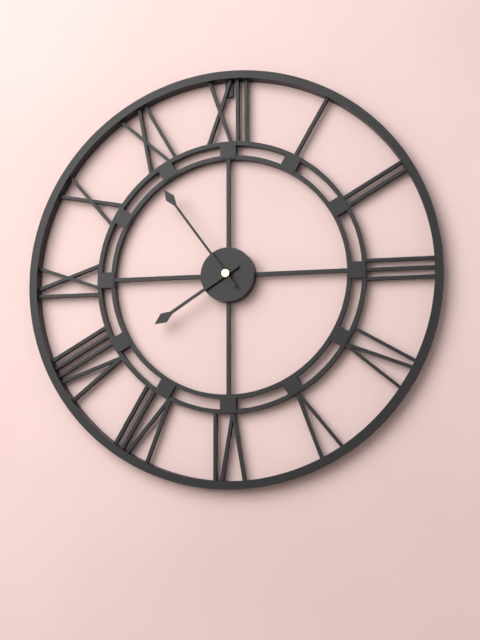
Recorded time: **7:54**
